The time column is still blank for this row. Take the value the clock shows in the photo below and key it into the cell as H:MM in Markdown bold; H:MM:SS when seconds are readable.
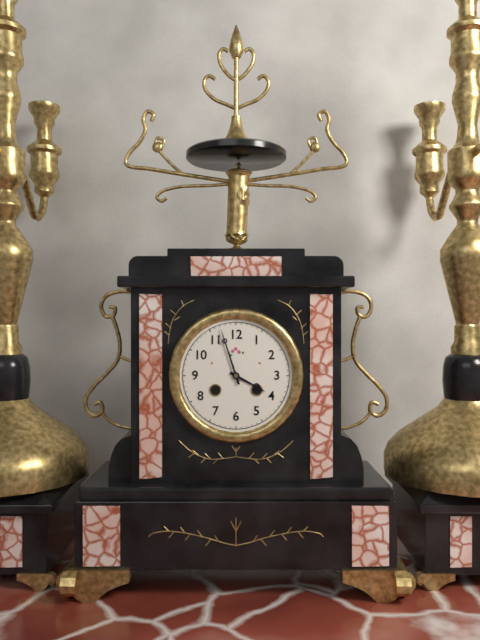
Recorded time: **3:57**
